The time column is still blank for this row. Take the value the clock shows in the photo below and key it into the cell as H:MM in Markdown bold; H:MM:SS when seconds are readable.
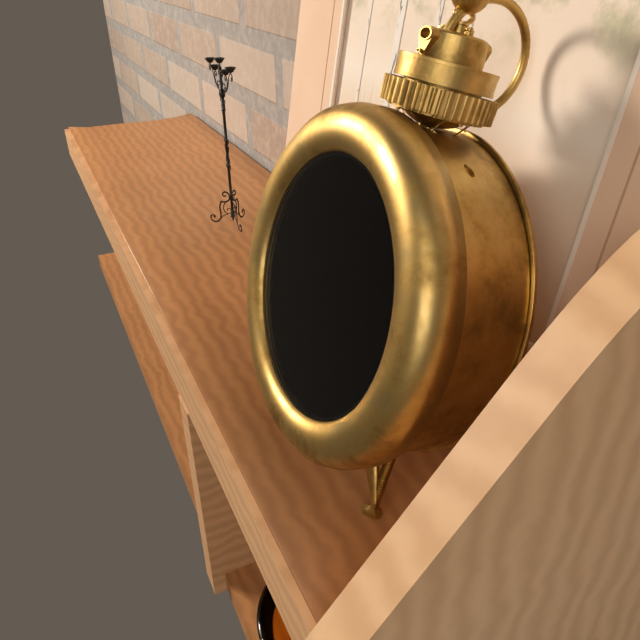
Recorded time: **12:12:40**
